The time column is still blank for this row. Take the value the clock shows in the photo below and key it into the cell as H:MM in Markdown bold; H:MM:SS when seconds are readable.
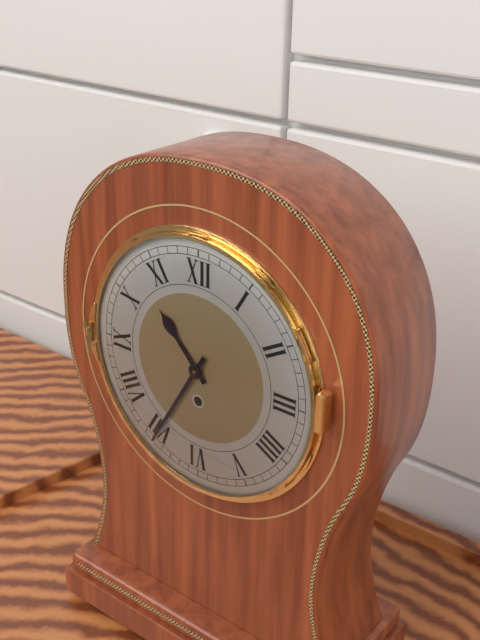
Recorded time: **10:35**
